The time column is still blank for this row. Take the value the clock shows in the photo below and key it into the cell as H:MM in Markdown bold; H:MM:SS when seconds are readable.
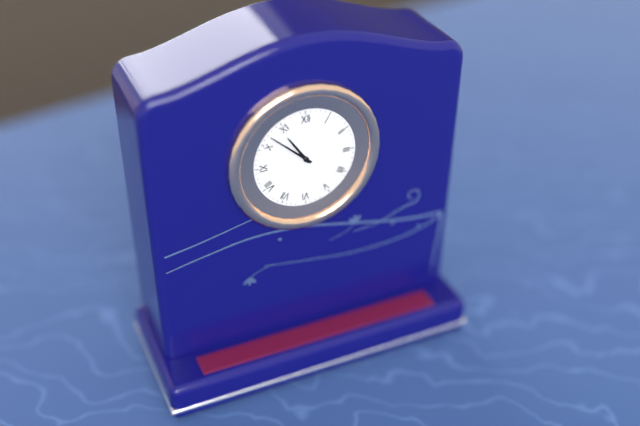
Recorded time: **10:52**
